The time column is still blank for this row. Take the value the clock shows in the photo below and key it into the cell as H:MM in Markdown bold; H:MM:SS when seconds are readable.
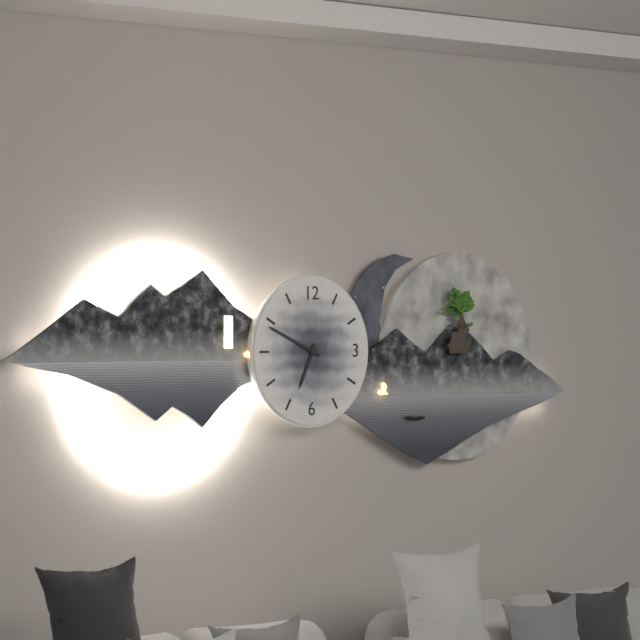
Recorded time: **6:49**
